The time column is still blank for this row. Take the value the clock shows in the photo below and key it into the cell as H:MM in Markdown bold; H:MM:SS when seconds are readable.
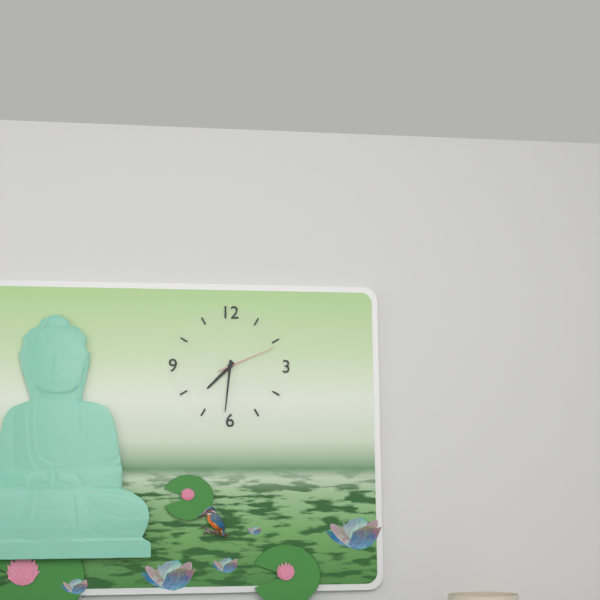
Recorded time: **7:31:11**
